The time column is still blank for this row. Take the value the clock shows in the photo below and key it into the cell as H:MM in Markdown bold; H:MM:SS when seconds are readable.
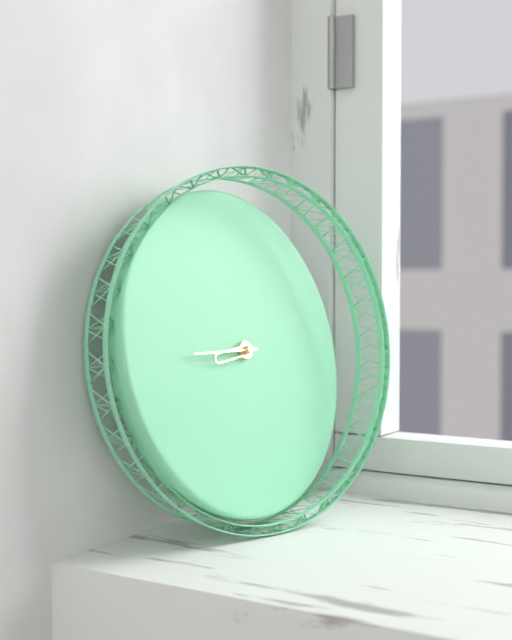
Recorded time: **8:45**
